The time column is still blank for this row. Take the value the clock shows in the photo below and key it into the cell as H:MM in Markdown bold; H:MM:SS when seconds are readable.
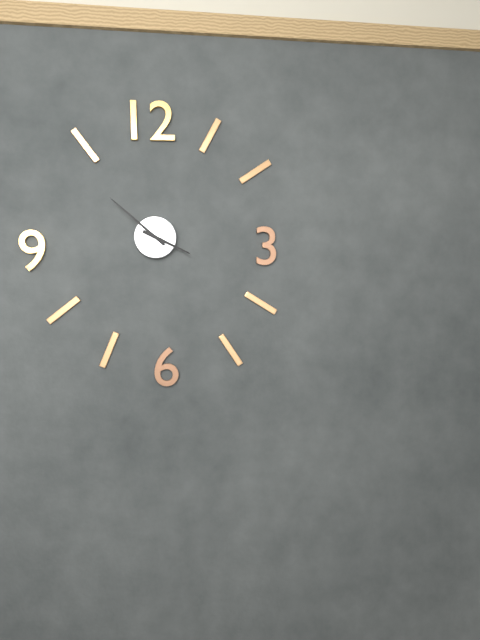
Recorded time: **3:52**
